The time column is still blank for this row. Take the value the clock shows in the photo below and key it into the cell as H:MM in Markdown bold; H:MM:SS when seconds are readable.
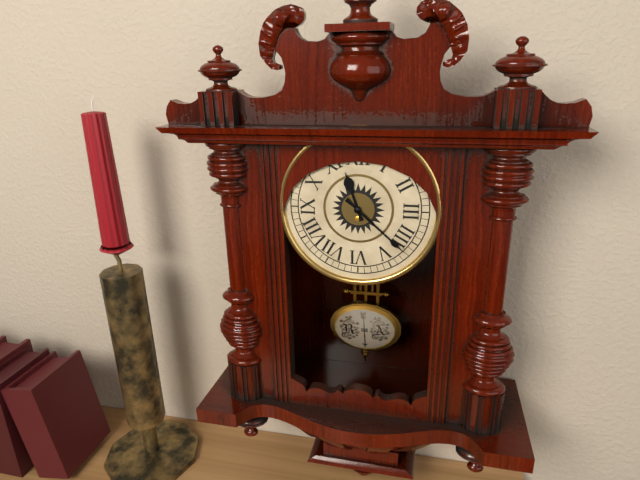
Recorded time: **11:22**
